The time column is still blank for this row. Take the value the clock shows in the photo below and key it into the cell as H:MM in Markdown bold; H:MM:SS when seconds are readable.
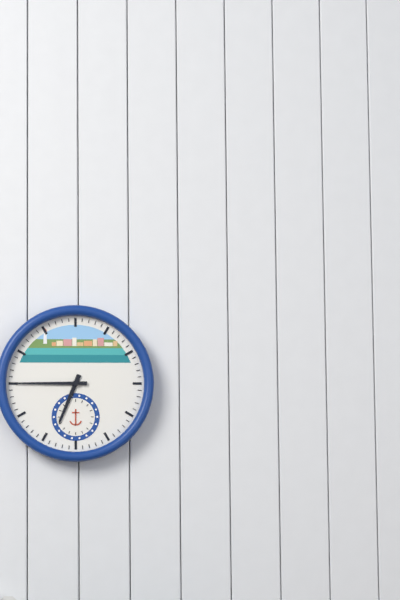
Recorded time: **6:45**
